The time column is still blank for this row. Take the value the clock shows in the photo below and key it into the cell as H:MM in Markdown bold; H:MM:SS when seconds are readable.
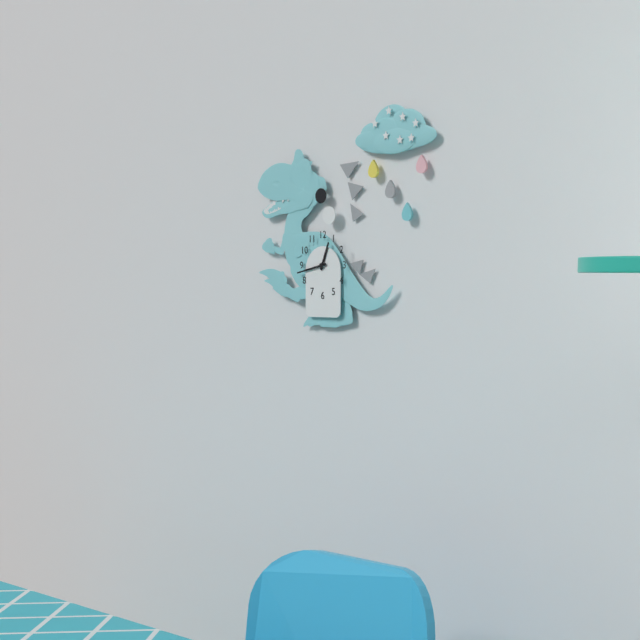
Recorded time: **12:43**
